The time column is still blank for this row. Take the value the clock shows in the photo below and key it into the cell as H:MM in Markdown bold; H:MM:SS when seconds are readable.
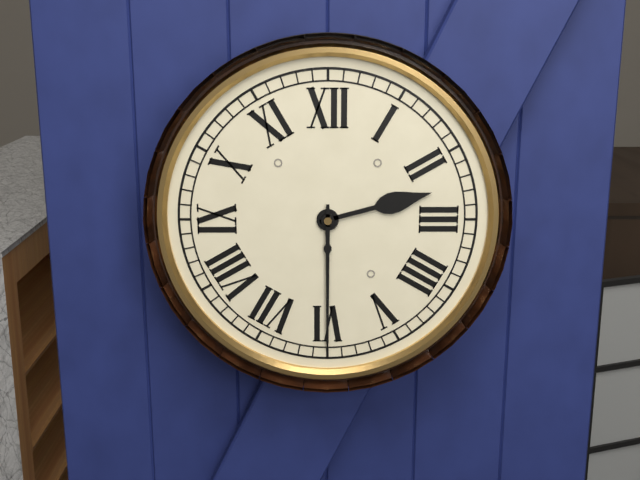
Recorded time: **2:30**
